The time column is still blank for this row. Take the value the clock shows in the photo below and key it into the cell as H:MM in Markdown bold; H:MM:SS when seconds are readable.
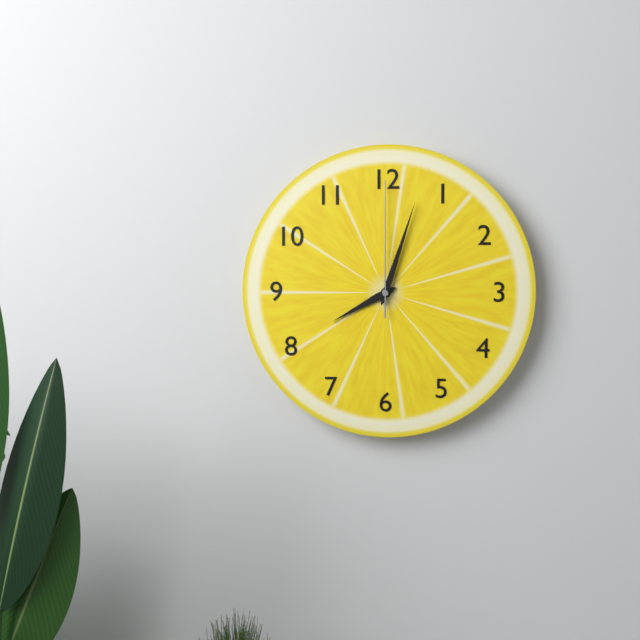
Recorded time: **8:03:00**
